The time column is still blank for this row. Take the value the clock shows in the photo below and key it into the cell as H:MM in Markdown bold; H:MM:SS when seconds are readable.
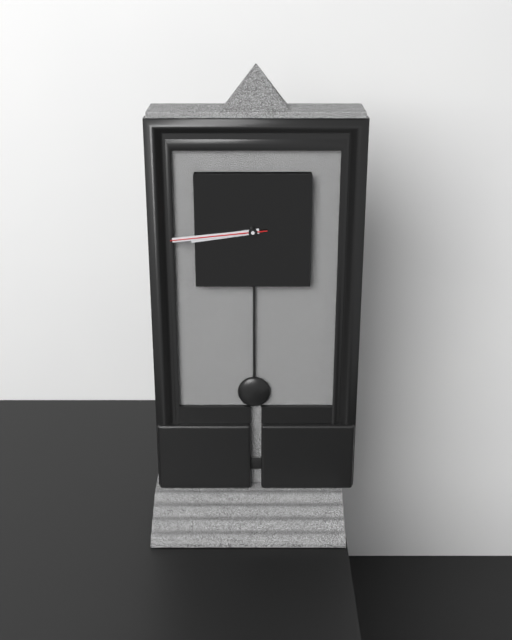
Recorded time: **8:44:44**
